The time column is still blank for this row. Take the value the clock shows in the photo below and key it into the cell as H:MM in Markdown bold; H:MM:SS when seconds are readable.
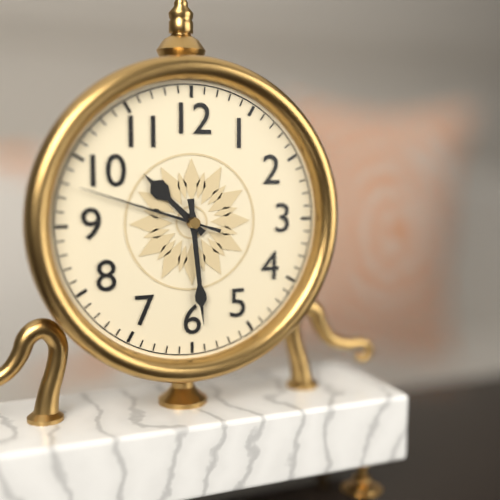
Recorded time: **10:29:48**
